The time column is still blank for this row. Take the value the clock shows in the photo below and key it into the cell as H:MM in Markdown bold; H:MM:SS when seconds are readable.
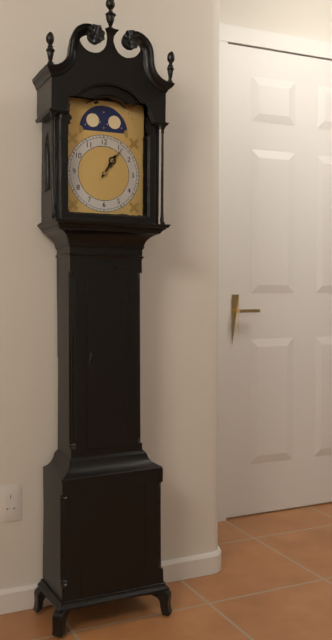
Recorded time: **1:06**
